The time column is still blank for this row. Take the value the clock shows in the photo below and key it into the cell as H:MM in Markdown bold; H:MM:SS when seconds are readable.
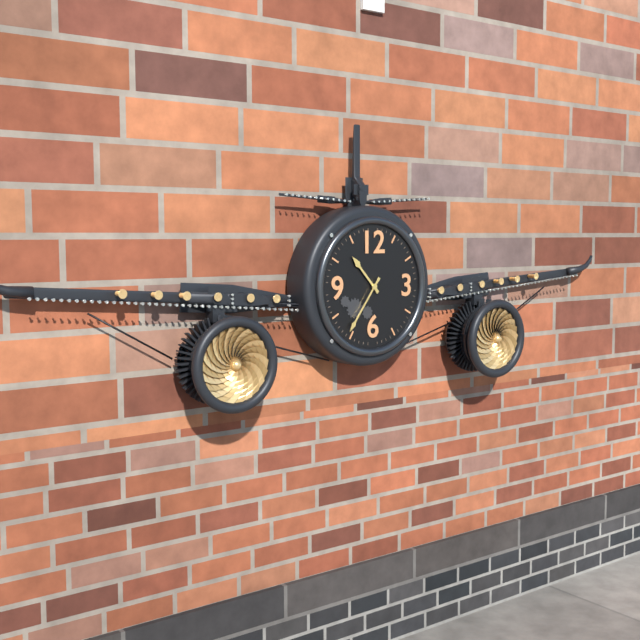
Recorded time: **10:36**
